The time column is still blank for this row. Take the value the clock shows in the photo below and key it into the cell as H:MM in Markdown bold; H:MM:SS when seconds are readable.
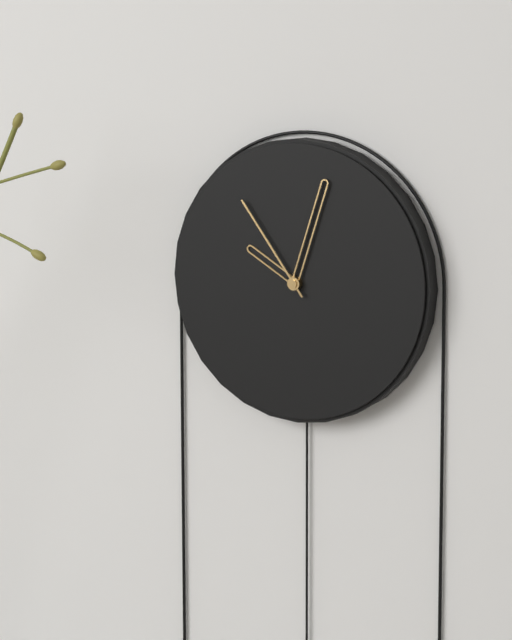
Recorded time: **10:03:54**
